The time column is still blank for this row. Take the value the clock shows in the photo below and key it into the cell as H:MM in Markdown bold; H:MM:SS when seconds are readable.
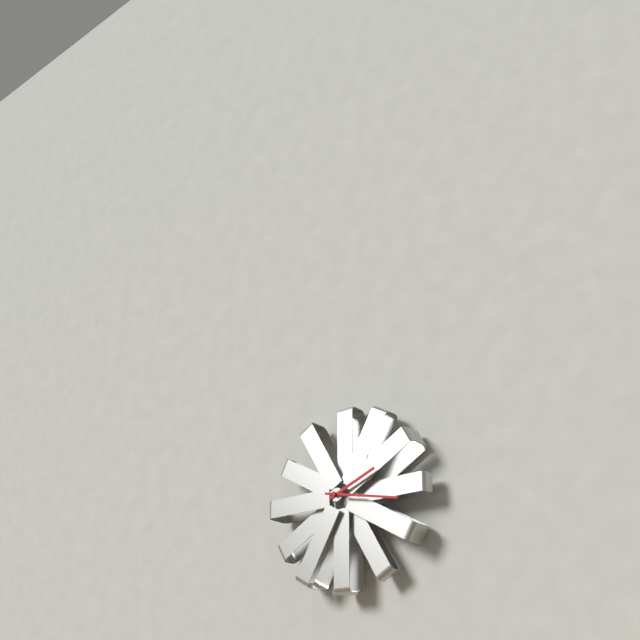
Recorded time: **2:17**
